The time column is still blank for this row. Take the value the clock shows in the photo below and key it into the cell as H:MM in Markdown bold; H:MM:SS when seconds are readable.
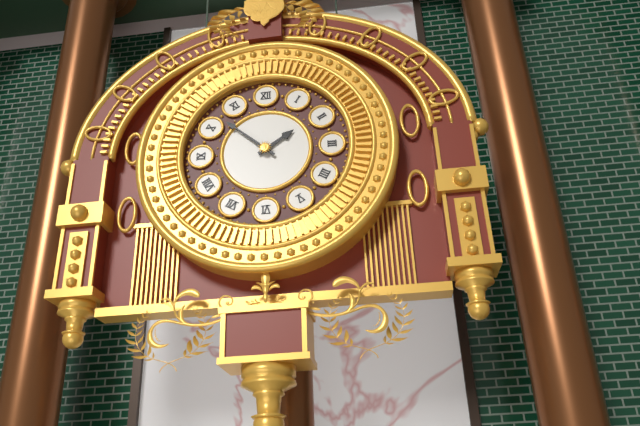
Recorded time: **1:52**
